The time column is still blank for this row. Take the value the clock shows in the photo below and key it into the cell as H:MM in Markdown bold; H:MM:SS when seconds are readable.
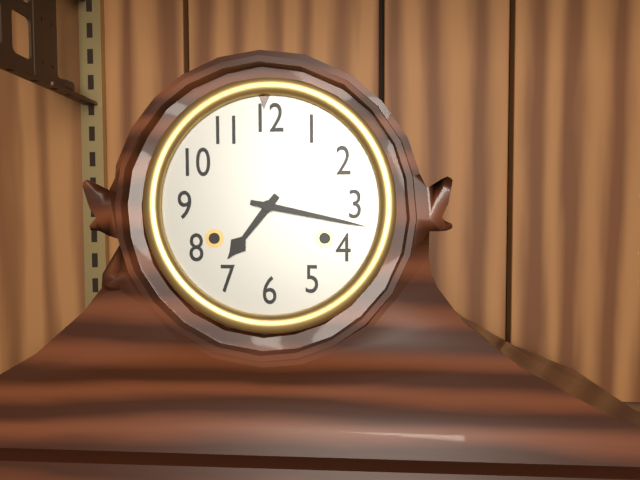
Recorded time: **7:17**
